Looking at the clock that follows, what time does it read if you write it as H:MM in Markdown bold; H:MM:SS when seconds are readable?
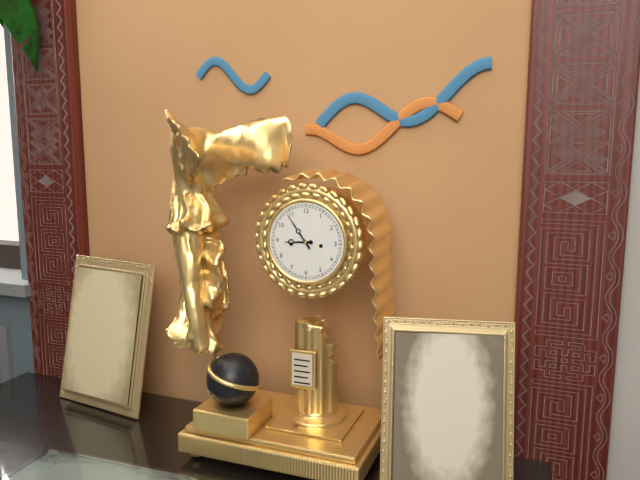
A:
**8:54**
